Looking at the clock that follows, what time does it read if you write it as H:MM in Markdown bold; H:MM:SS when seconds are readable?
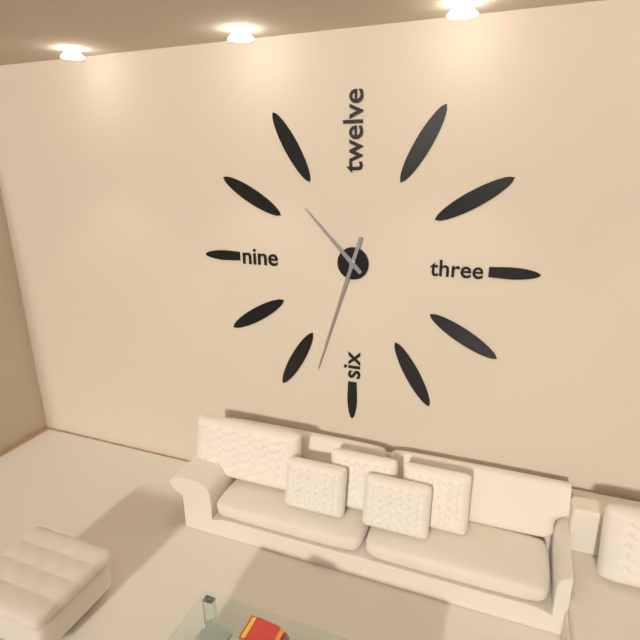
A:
**10:33**
